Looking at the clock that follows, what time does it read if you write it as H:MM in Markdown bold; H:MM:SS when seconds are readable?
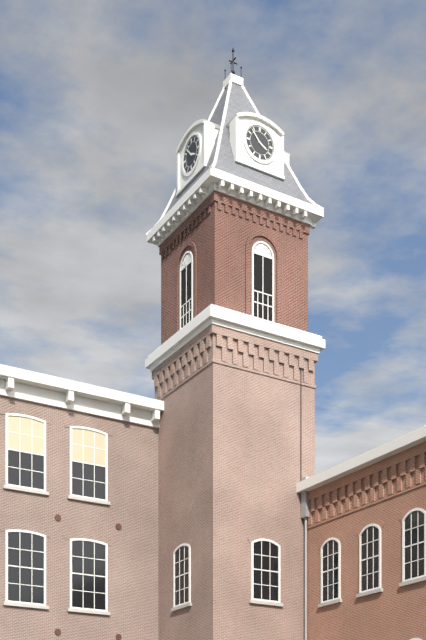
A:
**3:53**
